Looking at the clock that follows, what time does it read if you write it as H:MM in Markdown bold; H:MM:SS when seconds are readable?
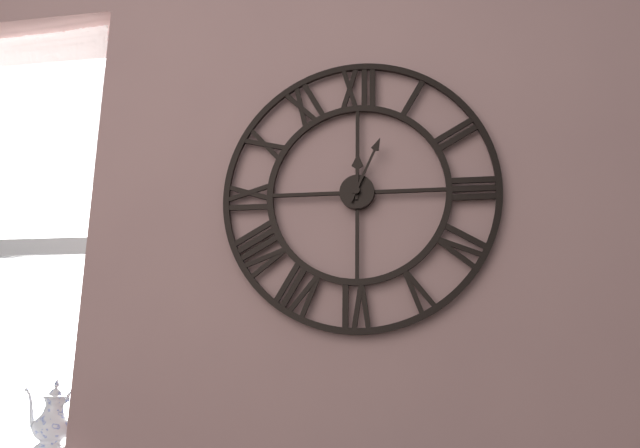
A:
**12:04**
